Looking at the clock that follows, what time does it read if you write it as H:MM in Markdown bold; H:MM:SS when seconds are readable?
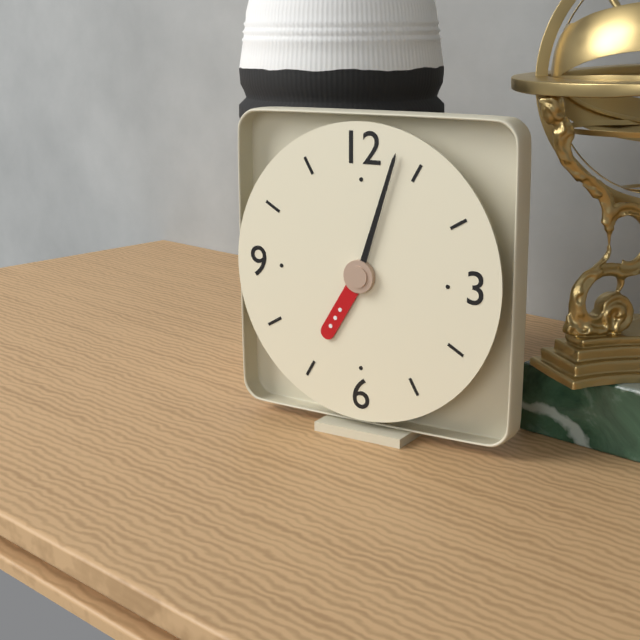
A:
**7:03**
